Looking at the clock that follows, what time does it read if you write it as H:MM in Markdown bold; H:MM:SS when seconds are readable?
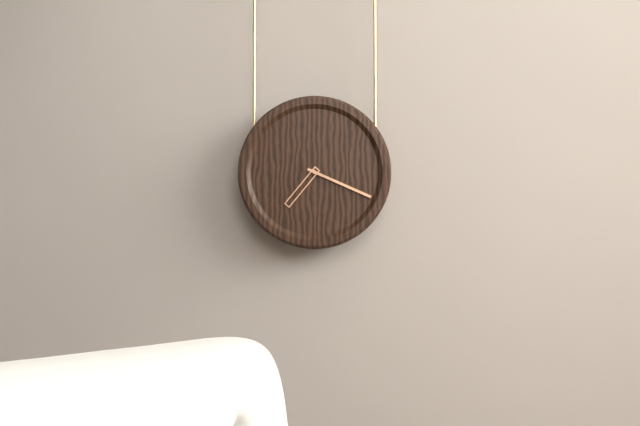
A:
**7:19**
